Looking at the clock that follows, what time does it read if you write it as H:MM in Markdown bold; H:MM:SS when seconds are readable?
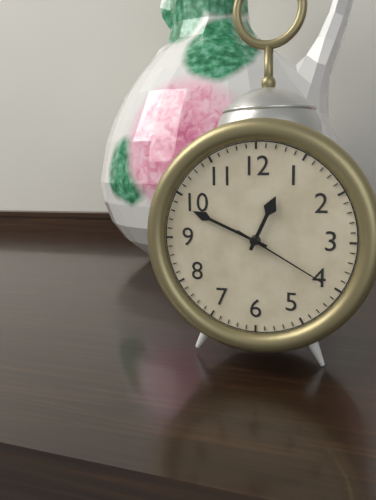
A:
**12:49:20**
